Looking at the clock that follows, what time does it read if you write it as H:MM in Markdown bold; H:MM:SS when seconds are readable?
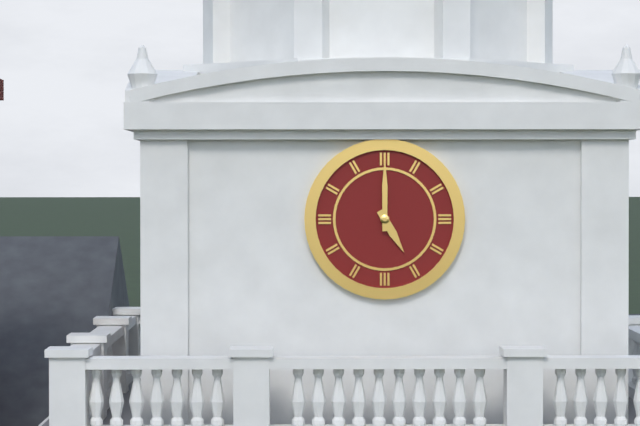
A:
**5:00**
